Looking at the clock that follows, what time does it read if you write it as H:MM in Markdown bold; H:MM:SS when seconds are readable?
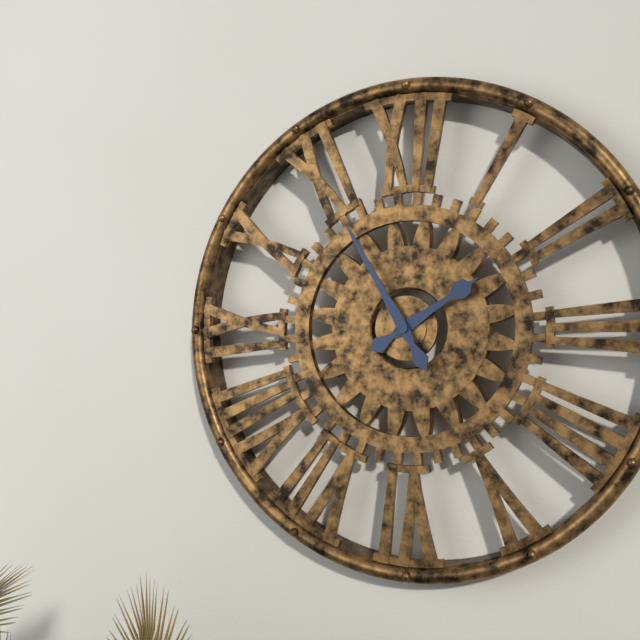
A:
**1:55**
